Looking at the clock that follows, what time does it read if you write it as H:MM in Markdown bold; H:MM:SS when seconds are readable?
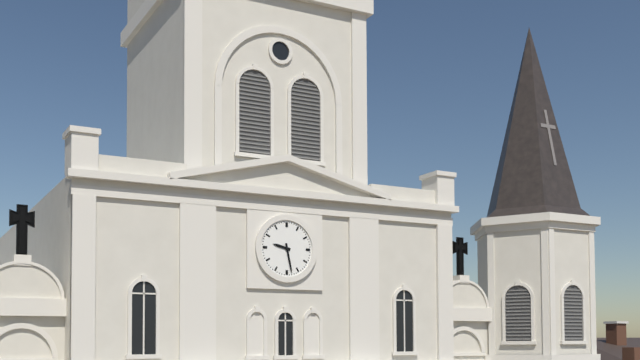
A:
**9:28**
